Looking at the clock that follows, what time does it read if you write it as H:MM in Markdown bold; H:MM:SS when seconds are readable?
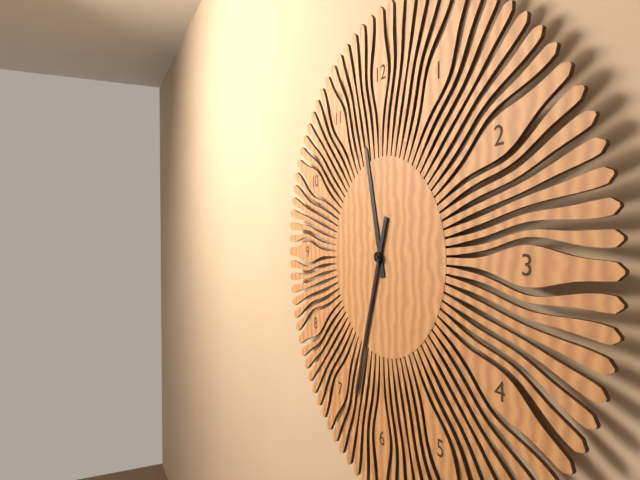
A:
**11:33**
